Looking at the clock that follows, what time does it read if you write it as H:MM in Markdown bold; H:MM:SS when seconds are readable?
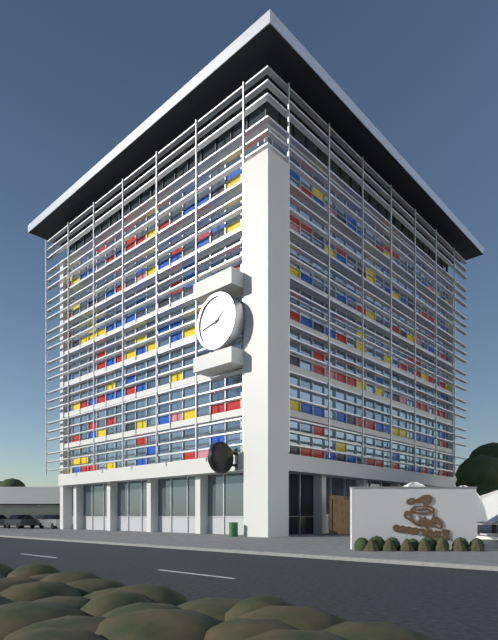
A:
**1:43**
